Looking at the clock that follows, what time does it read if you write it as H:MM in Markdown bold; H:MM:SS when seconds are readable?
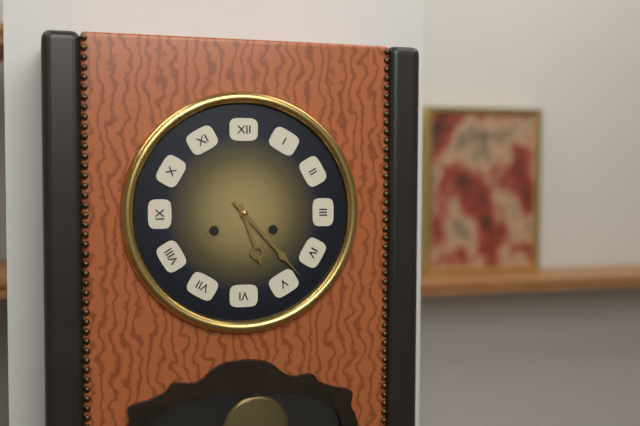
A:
**5:23**
